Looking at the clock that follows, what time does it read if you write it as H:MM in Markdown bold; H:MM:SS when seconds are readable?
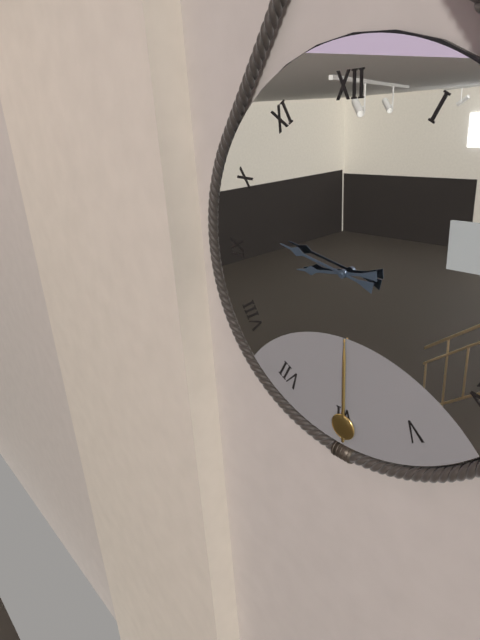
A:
**8:47**
